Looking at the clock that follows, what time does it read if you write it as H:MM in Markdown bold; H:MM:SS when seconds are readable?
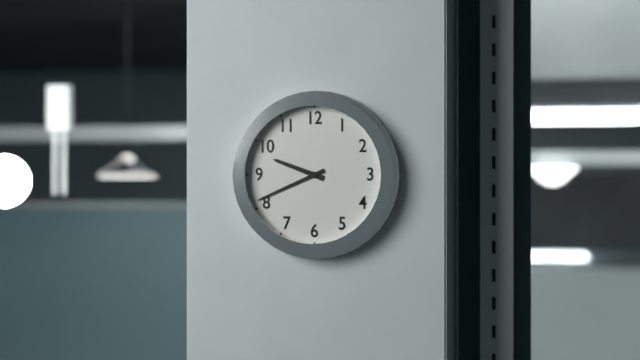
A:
**9:41**
